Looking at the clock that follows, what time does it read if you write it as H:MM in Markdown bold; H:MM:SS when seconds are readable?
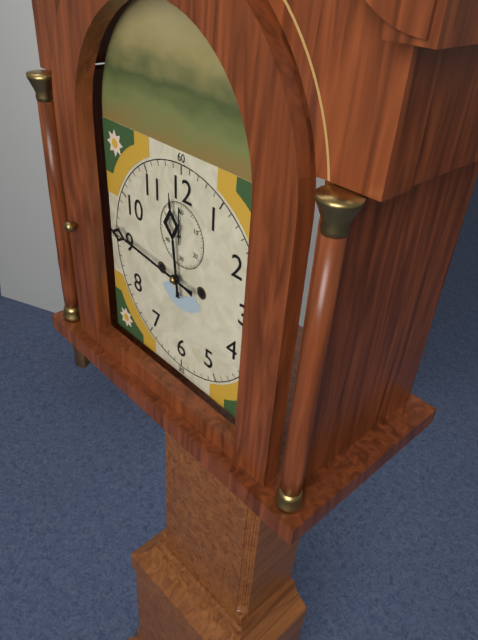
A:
**11:46**
